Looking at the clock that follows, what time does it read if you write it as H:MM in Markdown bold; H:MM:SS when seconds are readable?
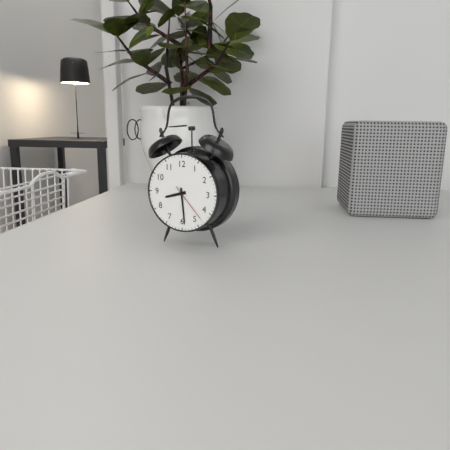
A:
**8:29**
